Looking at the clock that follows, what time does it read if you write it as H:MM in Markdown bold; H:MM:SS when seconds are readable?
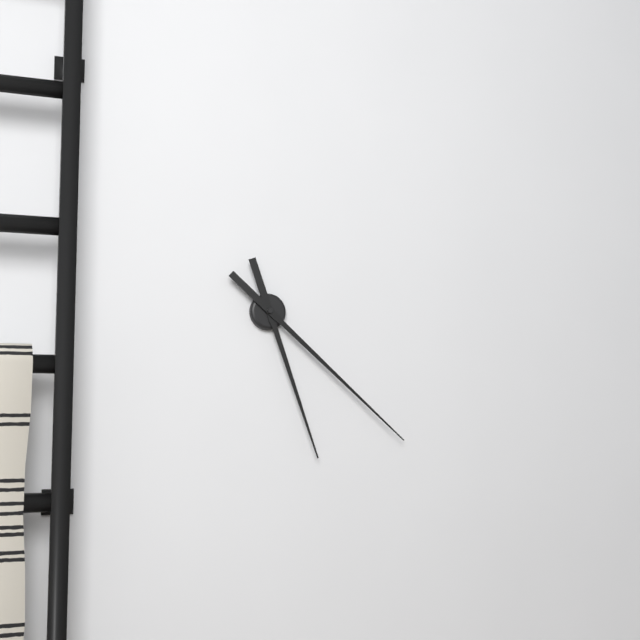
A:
**5:22**
